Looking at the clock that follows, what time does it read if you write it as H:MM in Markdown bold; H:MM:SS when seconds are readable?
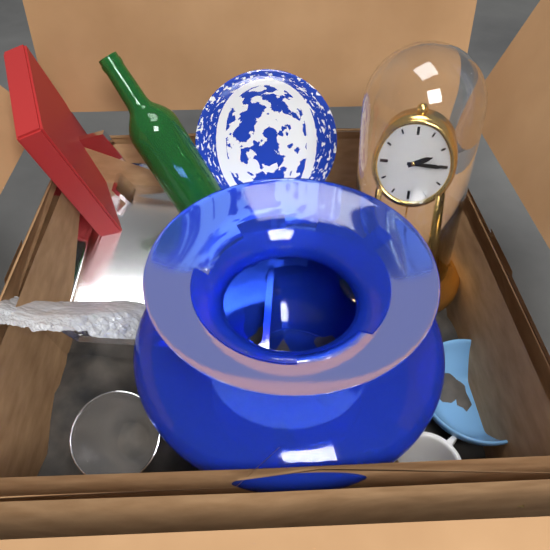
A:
**2:15**
